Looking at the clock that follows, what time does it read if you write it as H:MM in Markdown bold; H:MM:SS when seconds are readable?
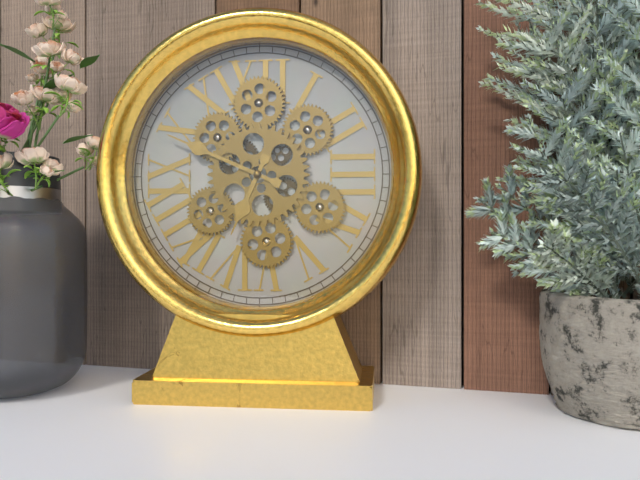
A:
**6:49**
